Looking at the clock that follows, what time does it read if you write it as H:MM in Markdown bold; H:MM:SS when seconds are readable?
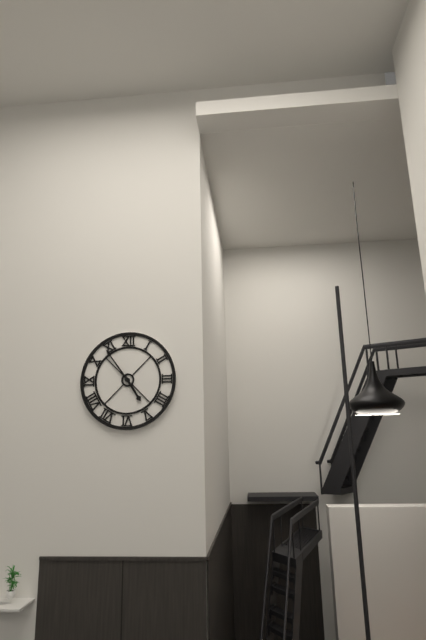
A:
**4:54**
